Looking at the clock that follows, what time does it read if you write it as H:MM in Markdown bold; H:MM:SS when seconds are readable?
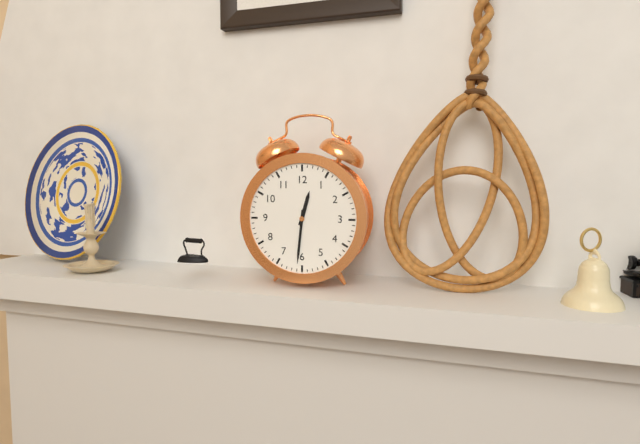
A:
**12:31**
